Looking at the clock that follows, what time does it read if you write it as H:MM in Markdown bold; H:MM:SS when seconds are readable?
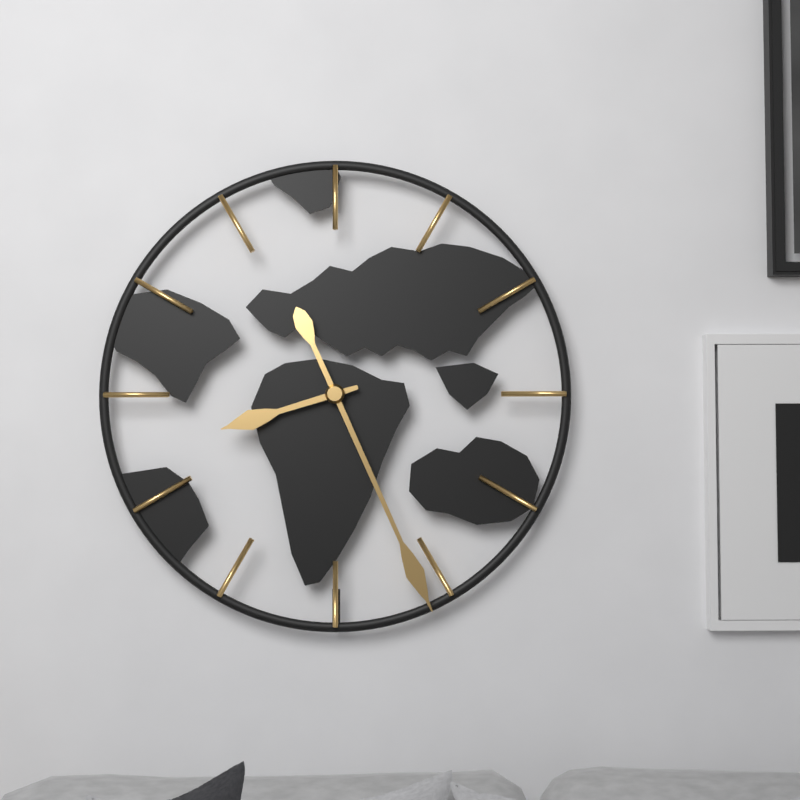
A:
**8:26**
